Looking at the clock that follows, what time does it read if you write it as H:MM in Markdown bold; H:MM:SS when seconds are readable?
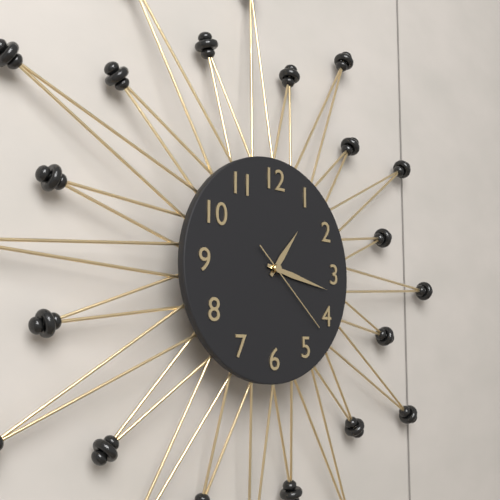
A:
**1:17:22**
